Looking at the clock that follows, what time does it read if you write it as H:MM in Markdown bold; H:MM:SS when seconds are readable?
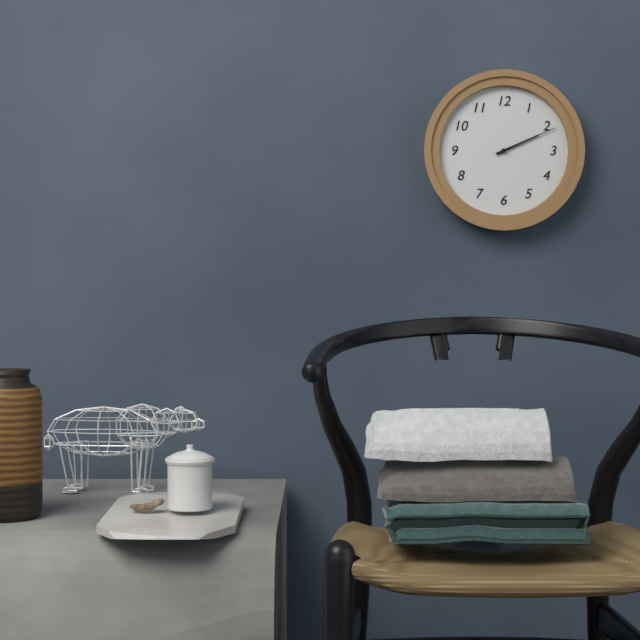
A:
**2:11**
